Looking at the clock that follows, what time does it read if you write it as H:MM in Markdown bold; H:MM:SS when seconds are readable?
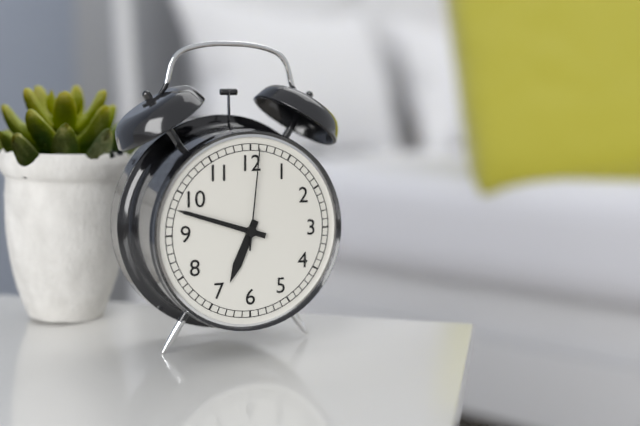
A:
**6:48:01**
